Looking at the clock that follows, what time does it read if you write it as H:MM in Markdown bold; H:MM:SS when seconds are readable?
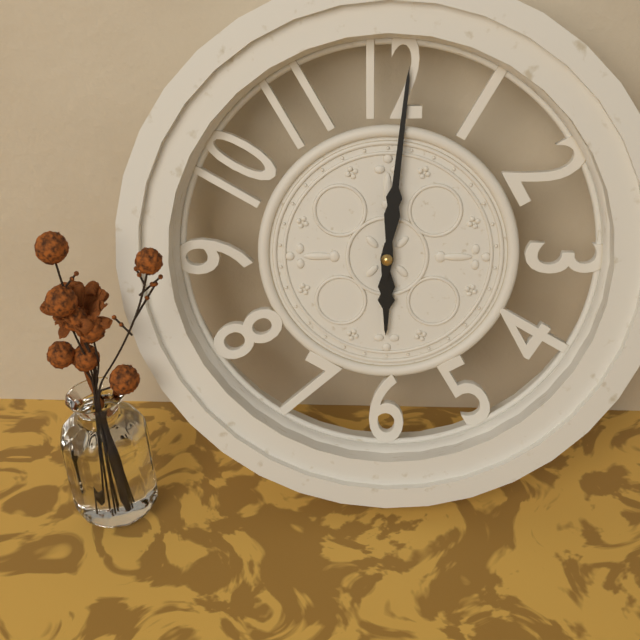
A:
**6:01**
